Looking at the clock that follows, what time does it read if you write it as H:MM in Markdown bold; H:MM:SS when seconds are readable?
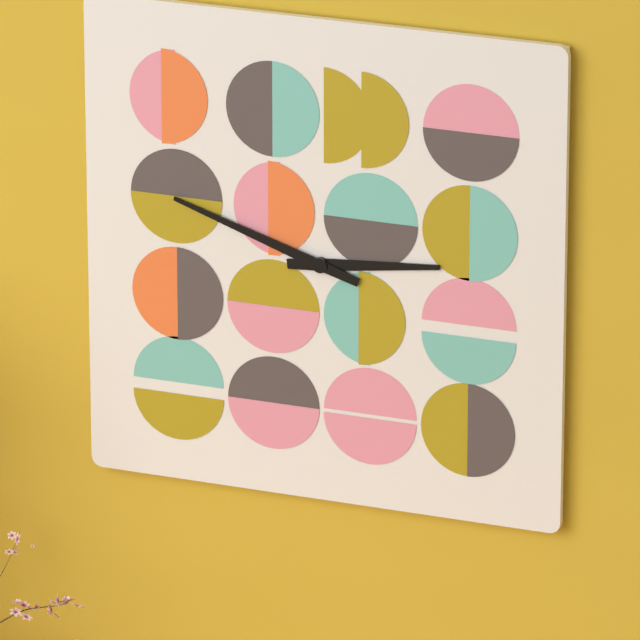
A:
**2:48**
